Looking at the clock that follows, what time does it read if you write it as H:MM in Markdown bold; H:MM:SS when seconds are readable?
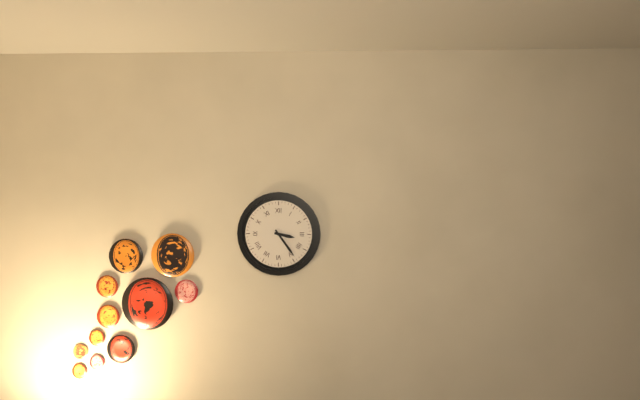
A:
**3:24**
